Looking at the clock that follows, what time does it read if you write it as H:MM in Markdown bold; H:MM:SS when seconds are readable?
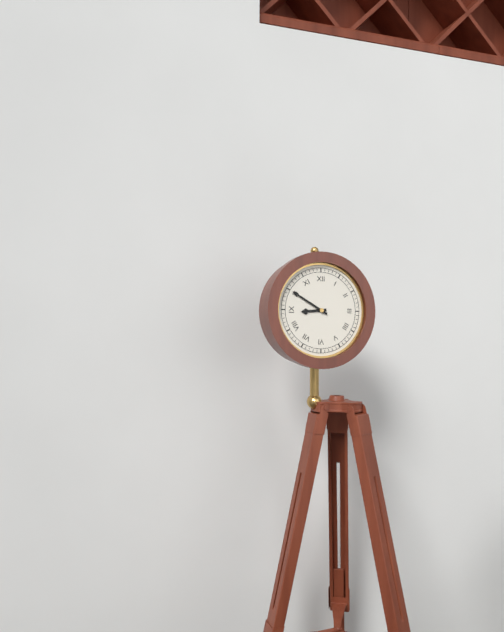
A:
**8:50**
